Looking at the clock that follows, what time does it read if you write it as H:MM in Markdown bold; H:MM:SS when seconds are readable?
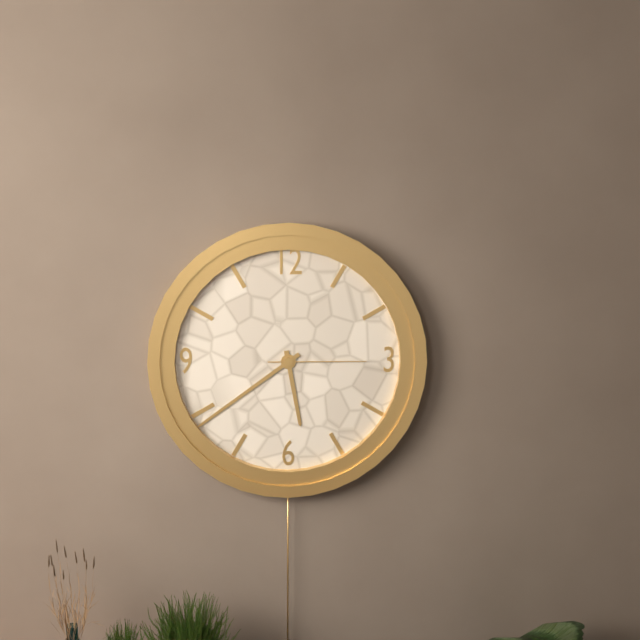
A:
**5:39:15**
